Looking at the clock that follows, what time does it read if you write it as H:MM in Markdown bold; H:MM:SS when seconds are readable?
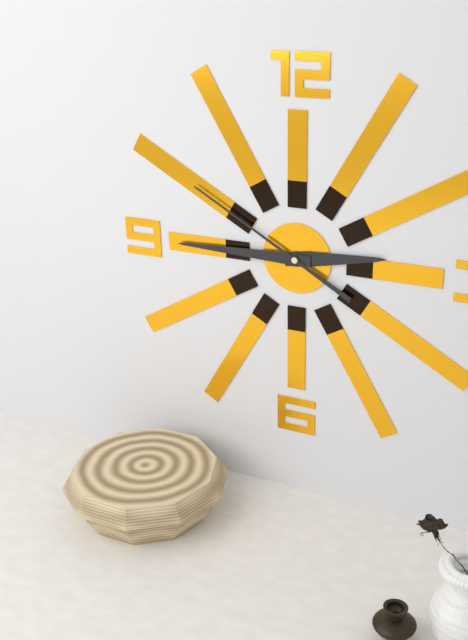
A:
**2:45:50**
